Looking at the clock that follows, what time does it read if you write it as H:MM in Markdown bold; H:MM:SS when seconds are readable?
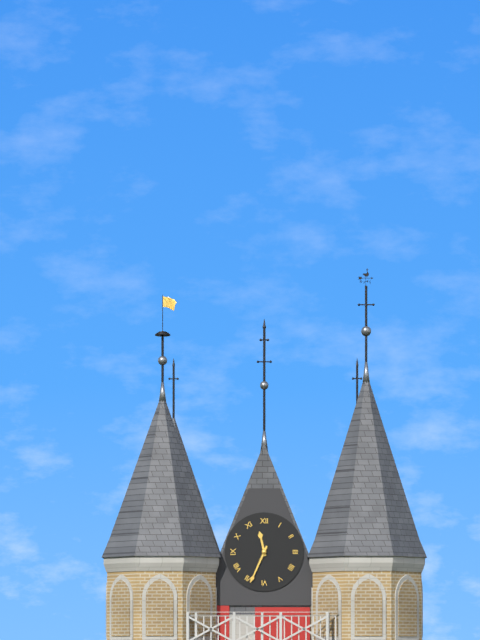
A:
**11:34**
